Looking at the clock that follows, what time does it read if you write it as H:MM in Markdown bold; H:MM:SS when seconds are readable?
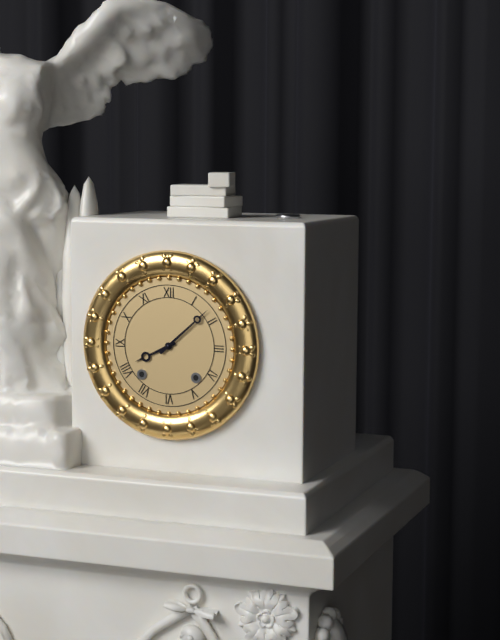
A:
**8:08**
